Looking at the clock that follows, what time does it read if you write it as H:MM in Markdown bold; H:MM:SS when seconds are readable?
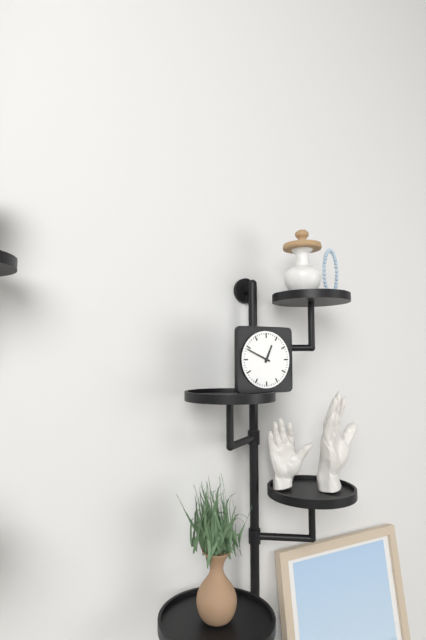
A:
**12:49**
